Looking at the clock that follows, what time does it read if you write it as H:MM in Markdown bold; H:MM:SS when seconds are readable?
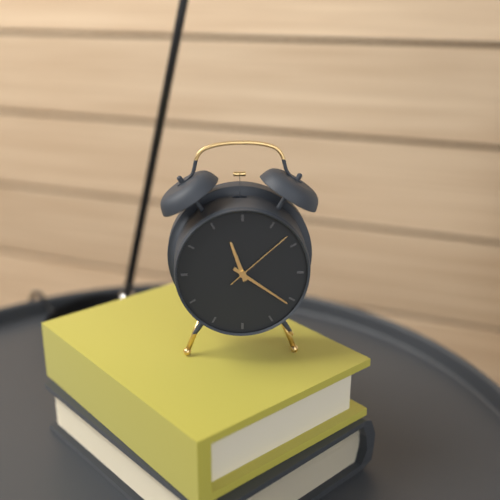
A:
**11:21:08**
